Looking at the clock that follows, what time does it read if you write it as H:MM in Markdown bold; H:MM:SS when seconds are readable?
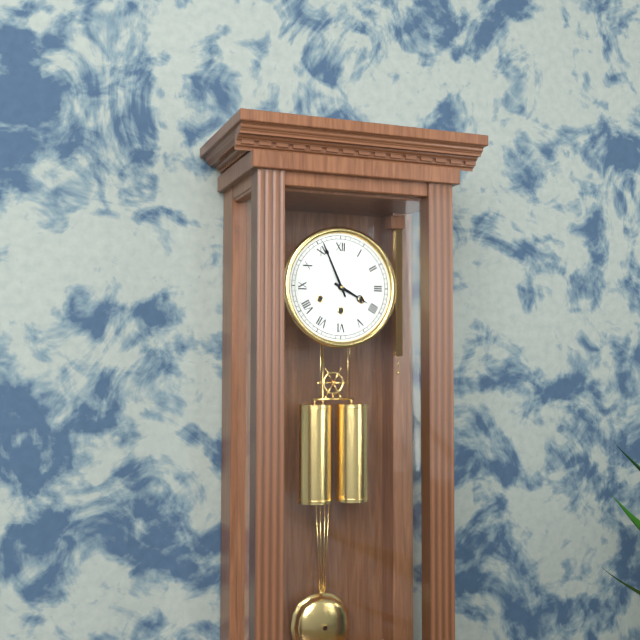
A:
**3:56**
